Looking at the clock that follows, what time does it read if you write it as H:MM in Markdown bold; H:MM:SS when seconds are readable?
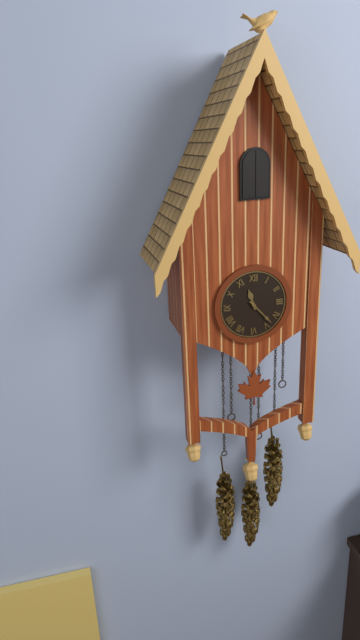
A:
**11:23**
